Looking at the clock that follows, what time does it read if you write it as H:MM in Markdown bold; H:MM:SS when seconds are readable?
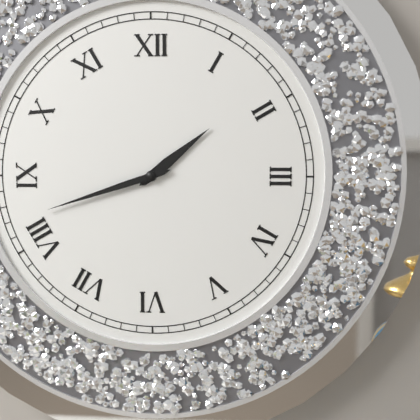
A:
**1:42**
